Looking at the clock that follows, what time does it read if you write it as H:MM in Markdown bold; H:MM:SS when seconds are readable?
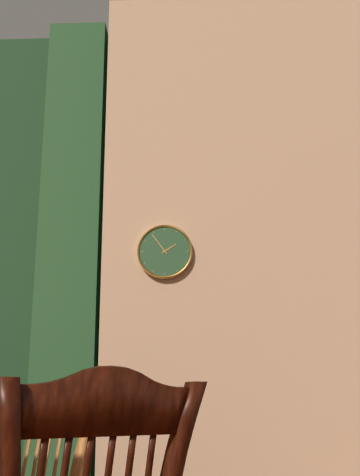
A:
**1:54**
